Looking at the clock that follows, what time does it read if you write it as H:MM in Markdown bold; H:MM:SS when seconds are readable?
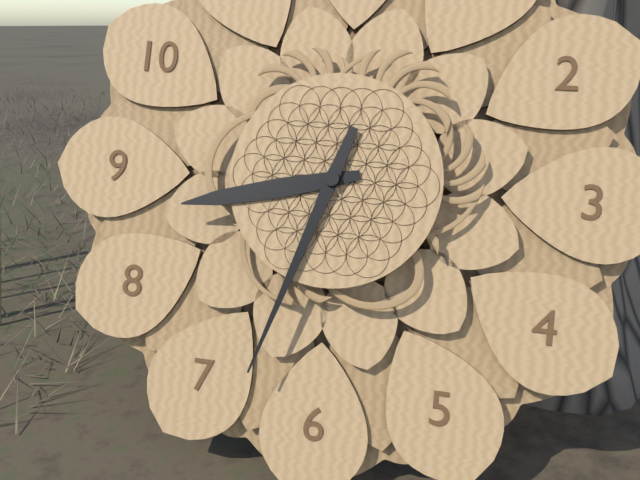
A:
**8:33**
